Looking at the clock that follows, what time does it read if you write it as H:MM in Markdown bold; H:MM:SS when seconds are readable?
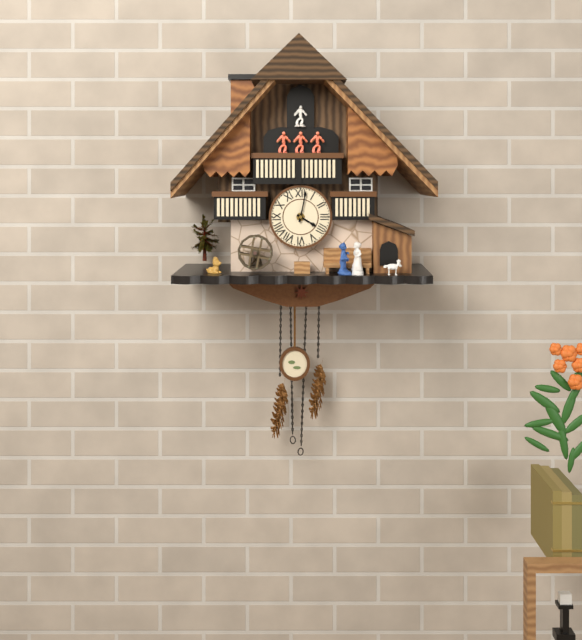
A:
**4:02**
